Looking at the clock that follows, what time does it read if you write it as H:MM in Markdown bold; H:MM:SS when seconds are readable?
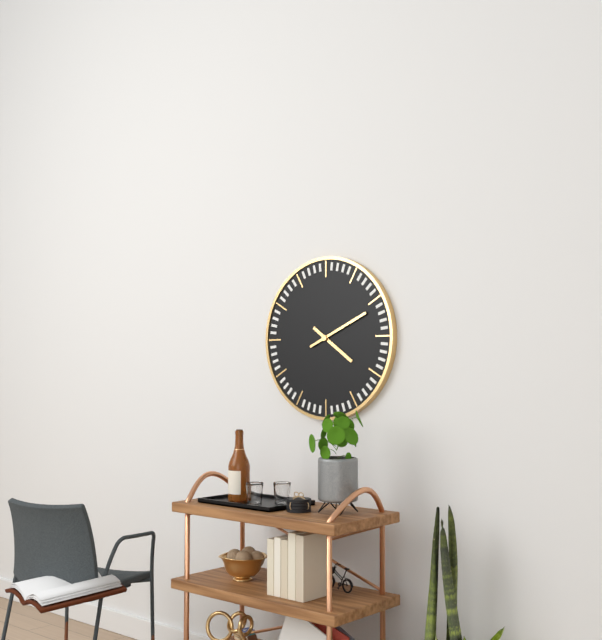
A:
**4:11**
